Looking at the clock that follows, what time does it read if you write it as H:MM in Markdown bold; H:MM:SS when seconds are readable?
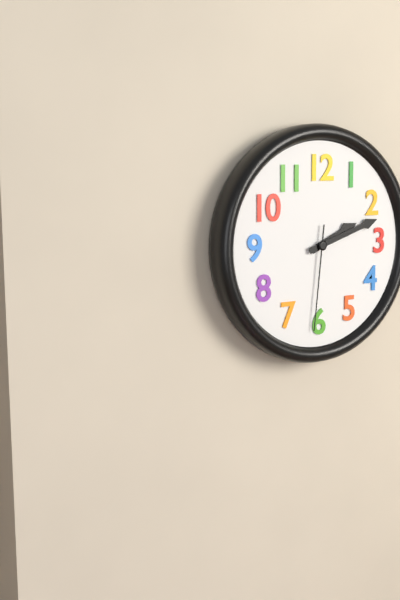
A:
**2:12:31**
